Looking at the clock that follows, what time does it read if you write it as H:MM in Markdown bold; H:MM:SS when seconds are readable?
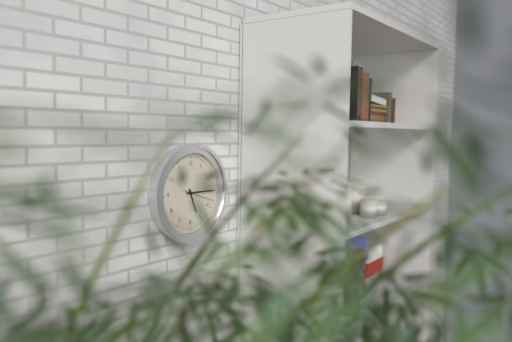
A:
**5:15**
